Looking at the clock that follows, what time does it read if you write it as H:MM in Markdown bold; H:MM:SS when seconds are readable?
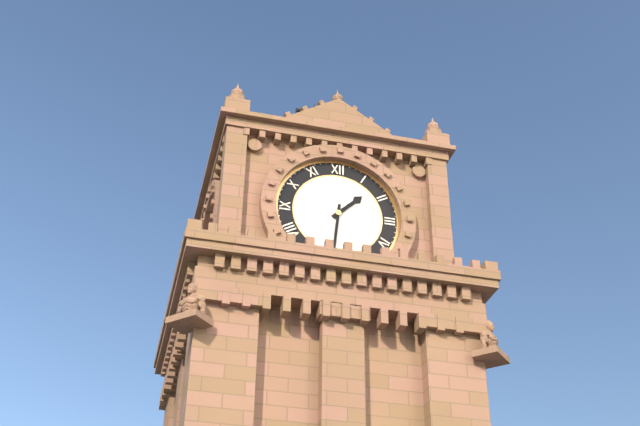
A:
**1:31**
